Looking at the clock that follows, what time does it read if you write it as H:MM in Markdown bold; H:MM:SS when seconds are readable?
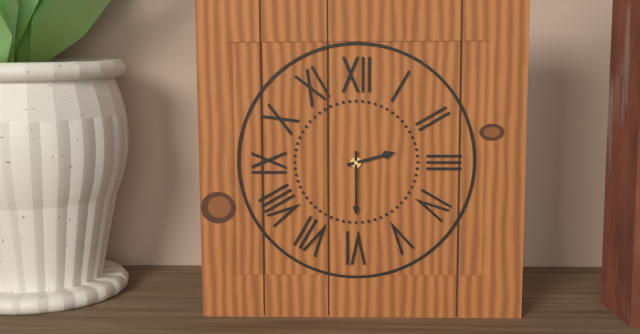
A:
**2:30**
